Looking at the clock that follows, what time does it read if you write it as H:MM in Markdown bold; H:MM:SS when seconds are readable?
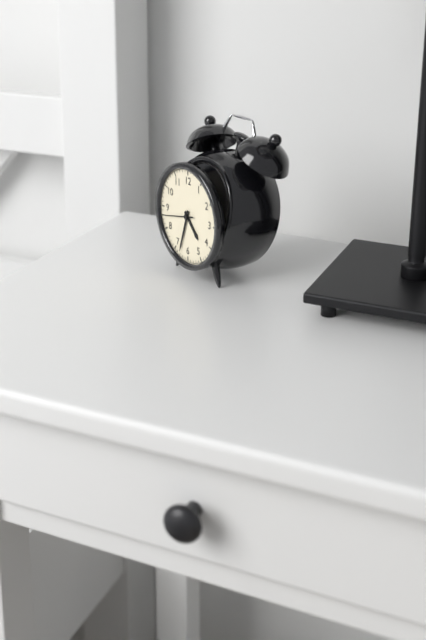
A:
**4:33**
